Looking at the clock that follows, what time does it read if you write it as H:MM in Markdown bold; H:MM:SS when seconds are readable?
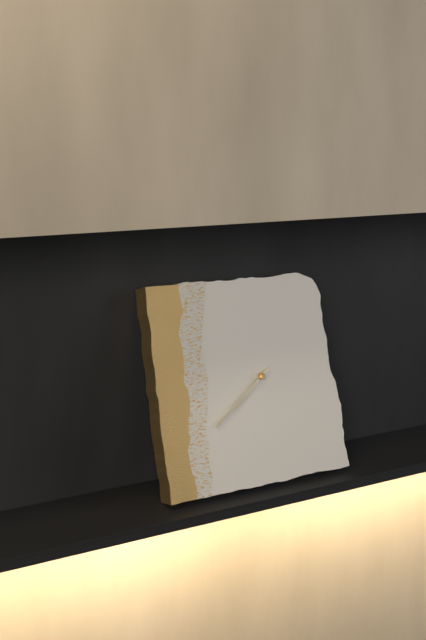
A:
**7:39**
